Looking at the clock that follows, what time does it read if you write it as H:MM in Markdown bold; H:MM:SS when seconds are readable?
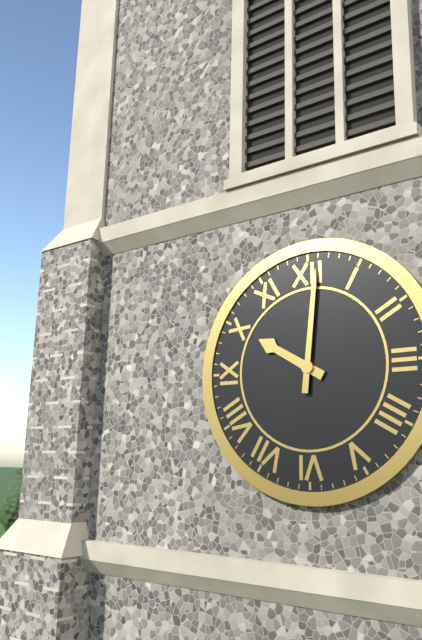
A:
**10:01**
